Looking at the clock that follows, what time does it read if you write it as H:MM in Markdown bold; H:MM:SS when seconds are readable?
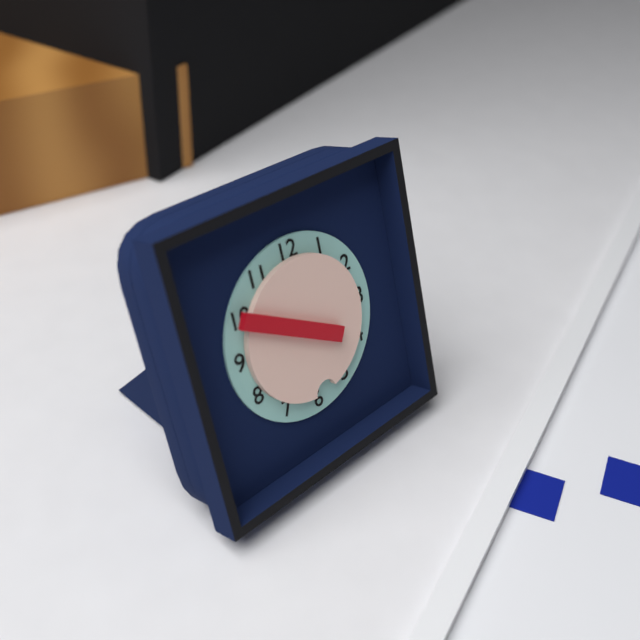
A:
**5:50**
